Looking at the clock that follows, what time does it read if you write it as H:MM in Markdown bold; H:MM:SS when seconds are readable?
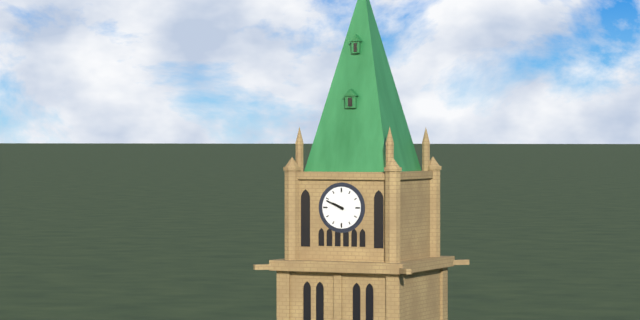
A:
**9:49**
